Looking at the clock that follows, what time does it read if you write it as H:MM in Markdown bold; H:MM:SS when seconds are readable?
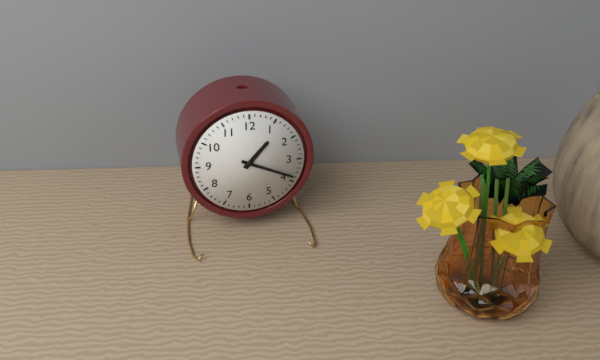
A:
**1:19**
